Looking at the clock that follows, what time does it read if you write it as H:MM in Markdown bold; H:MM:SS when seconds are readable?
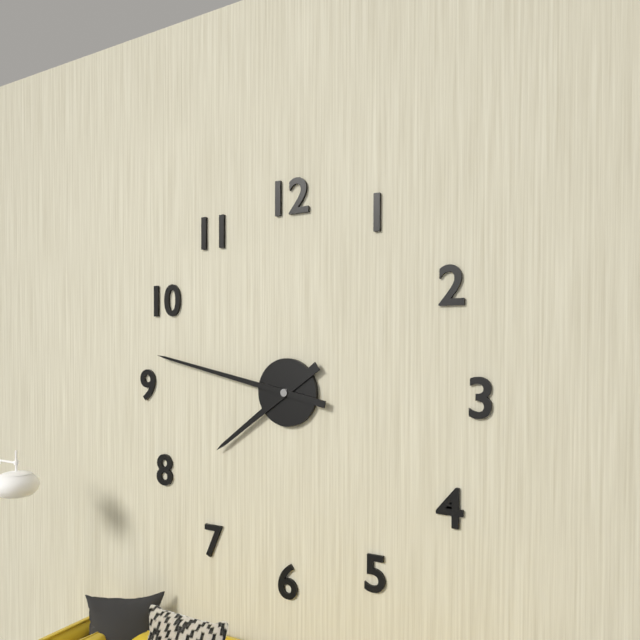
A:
**7:47**
